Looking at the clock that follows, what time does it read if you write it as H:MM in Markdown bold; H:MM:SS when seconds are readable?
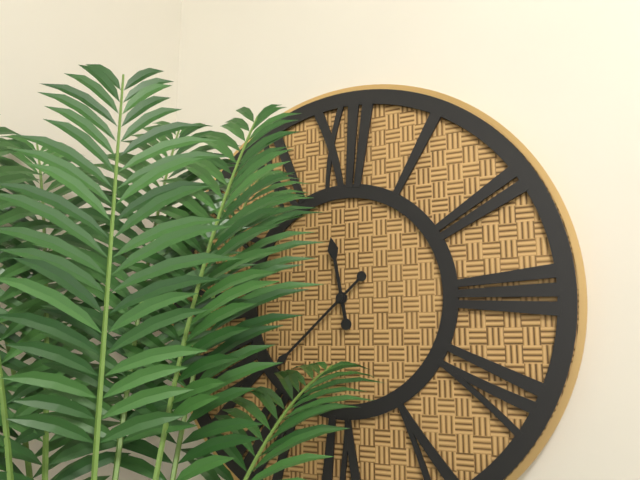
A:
**11:38**
